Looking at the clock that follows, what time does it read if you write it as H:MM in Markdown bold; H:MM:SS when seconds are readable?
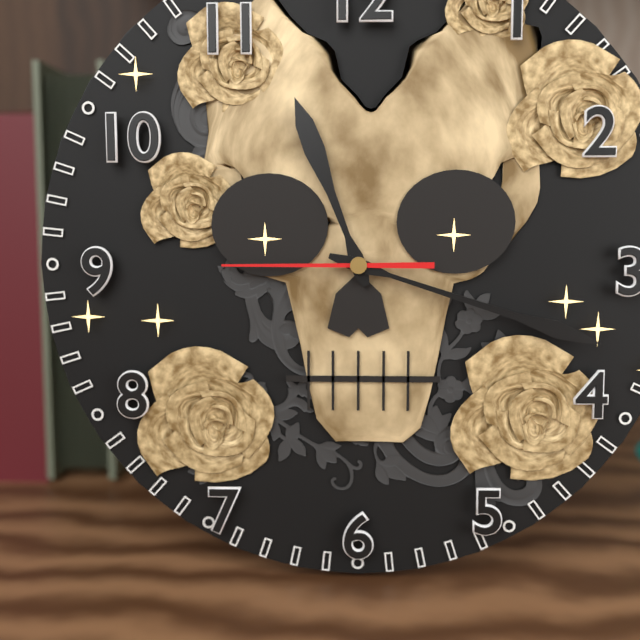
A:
**11:18:45**
